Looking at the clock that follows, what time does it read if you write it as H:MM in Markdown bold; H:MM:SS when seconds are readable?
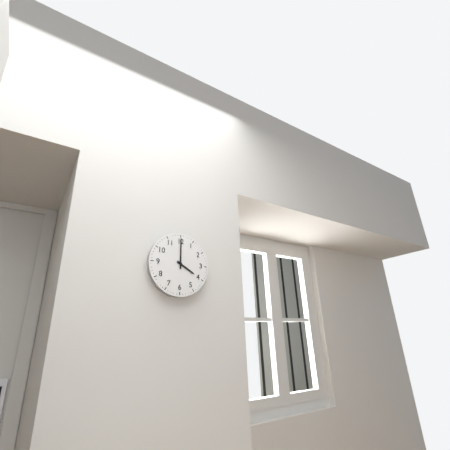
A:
**4:00**
